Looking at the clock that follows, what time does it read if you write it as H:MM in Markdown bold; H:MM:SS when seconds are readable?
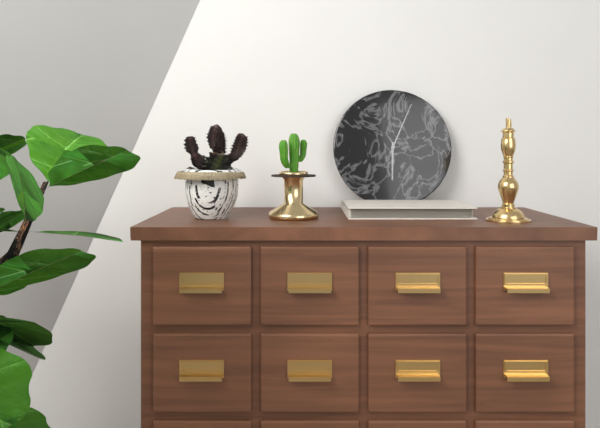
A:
**6:04**
